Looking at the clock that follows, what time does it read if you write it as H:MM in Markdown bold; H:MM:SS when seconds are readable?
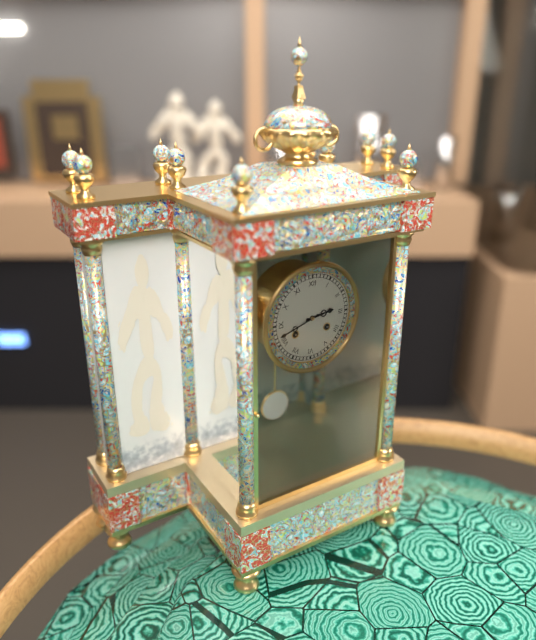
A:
**2:42**
